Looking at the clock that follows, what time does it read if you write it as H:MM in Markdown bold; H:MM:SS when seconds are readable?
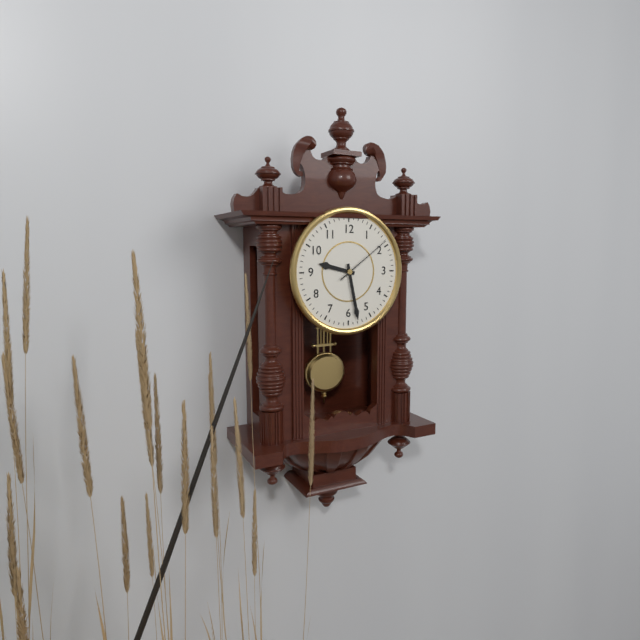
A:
**9:28:09**
